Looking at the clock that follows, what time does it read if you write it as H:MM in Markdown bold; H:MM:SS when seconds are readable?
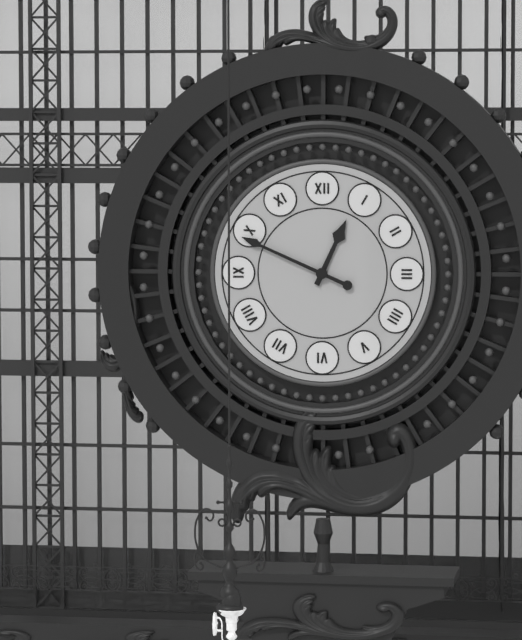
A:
**12:49**
